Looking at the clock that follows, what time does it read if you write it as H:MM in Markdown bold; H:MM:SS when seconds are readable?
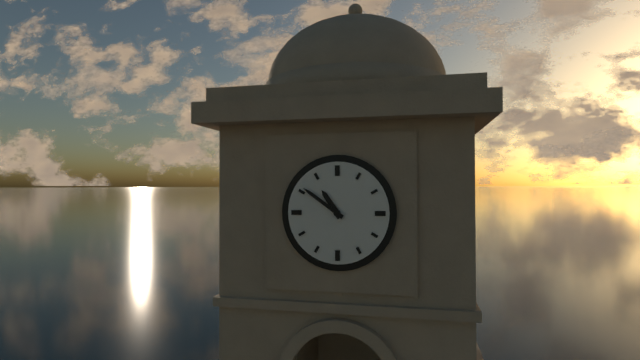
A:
**10:51**
